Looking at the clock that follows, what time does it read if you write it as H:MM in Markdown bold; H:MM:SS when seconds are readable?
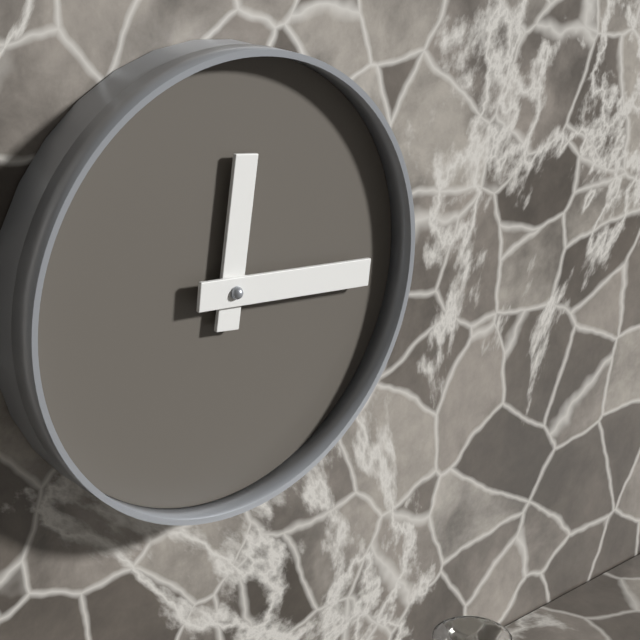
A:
**12:16**
